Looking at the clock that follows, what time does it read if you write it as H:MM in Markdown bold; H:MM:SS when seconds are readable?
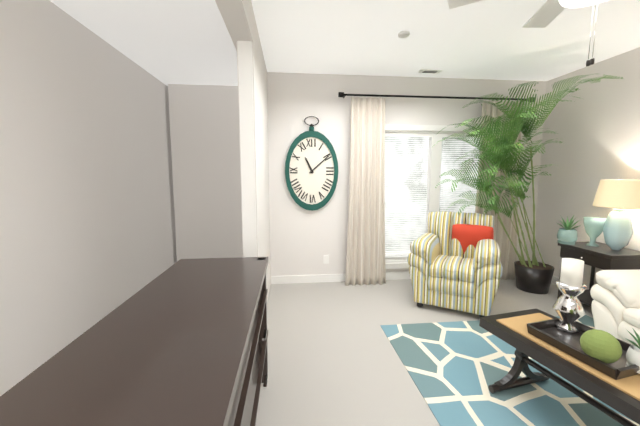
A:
**11:08**
